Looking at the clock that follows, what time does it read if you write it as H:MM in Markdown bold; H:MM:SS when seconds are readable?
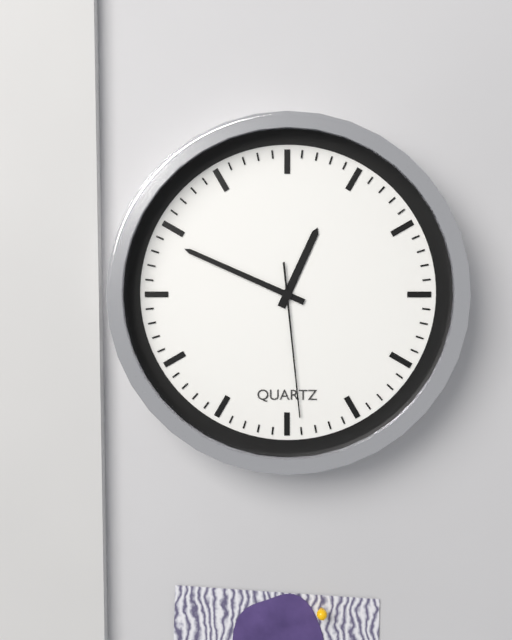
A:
**12:49:29**
